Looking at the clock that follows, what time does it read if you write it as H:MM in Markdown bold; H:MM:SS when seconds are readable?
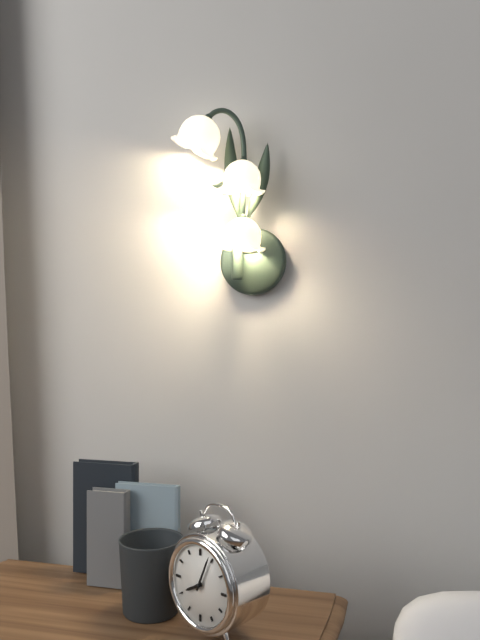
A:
**8:04**
